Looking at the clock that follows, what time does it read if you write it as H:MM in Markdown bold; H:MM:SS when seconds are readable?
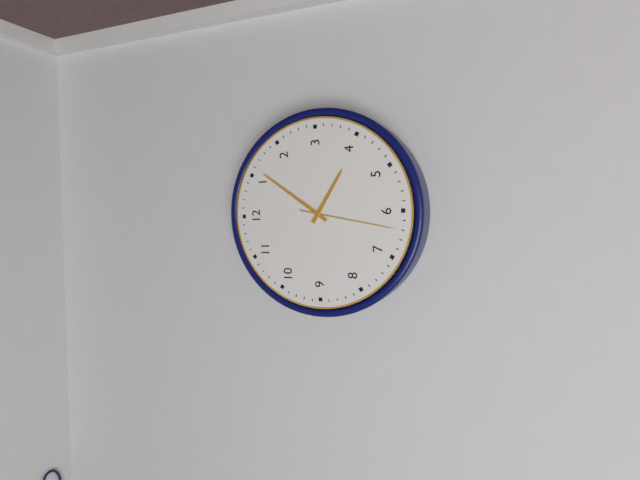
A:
**4:06:32**
